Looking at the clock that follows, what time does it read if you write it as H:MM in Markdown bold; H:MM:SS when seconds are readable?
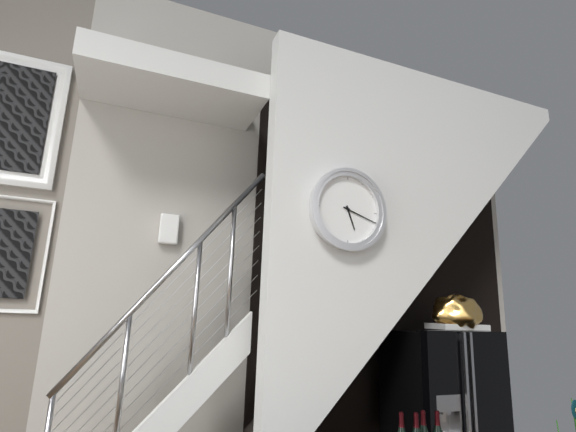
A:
**5:18**
